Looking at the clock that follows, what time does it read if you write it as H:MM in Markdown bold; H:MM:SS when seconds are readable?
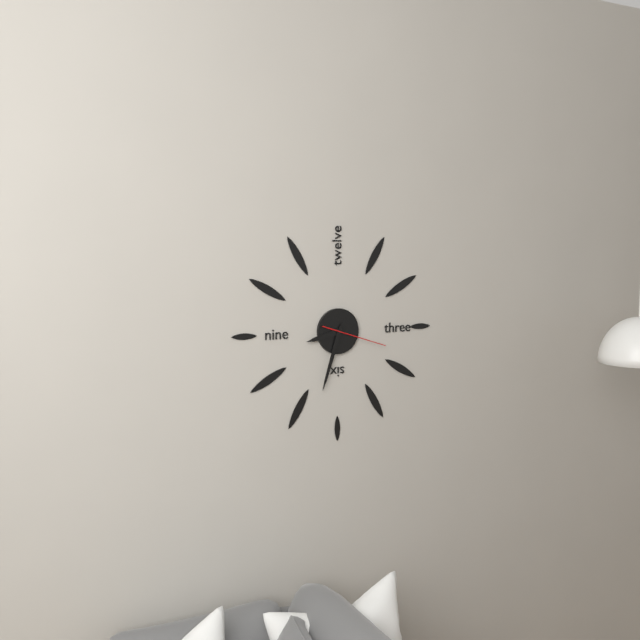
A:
**8:33:18**
